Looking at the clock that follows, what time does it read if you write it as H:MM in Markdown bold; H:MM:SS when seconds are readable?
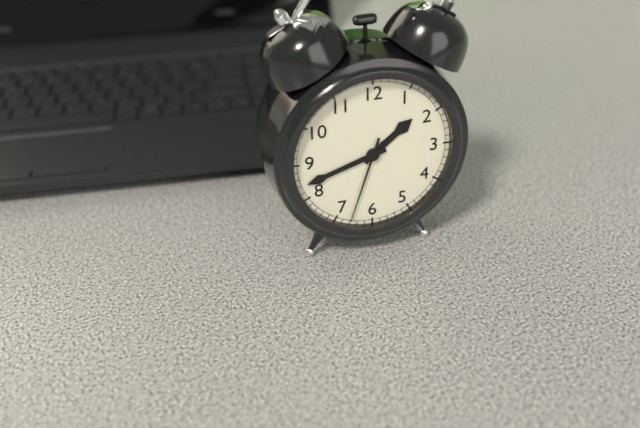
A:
**1:42:33**
